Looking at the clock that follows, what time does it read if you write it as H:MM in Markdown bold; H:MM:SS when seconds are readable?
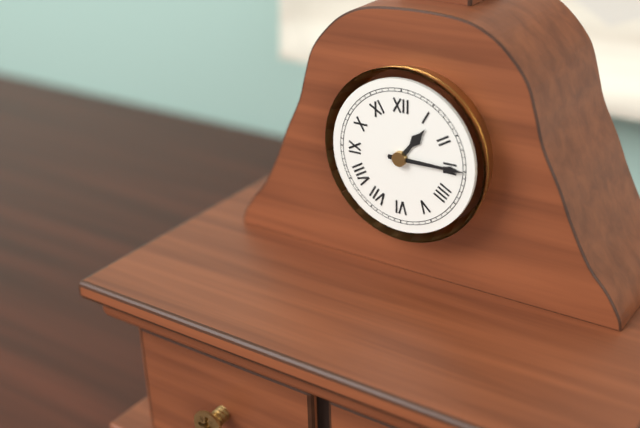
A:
**1:15**
